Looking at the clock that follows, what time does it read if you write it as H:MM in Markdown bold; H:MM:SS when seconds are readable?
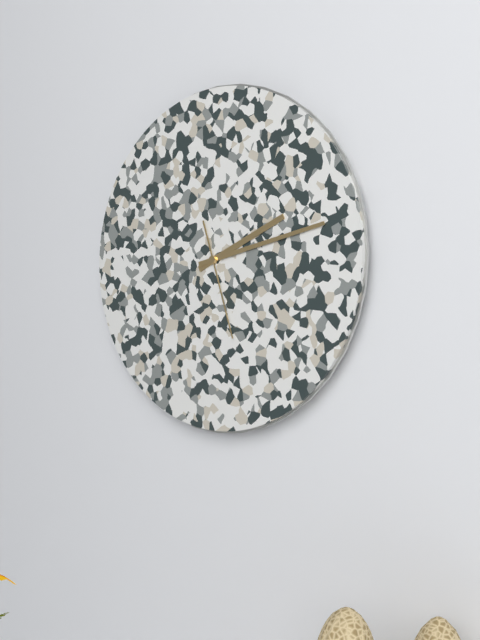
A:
**2:13:27**
